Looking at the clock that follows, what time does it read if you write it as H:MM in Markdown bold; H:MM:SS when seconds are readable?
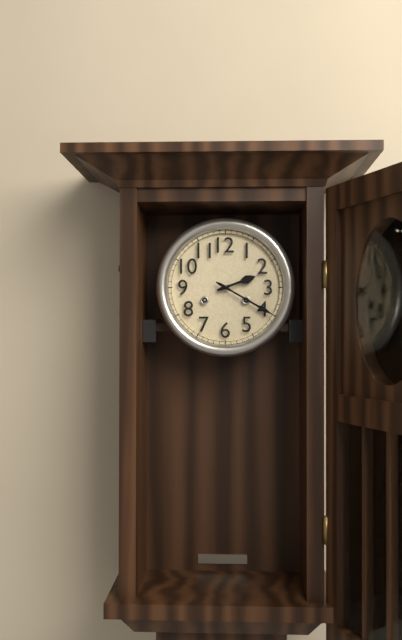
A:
**2:20**
